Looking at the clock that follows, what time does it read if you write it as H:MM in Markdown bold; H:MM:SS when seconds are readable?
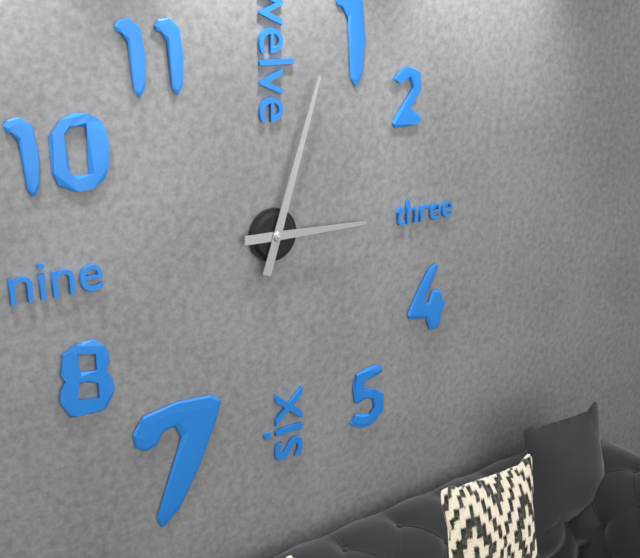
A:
**3:03**
